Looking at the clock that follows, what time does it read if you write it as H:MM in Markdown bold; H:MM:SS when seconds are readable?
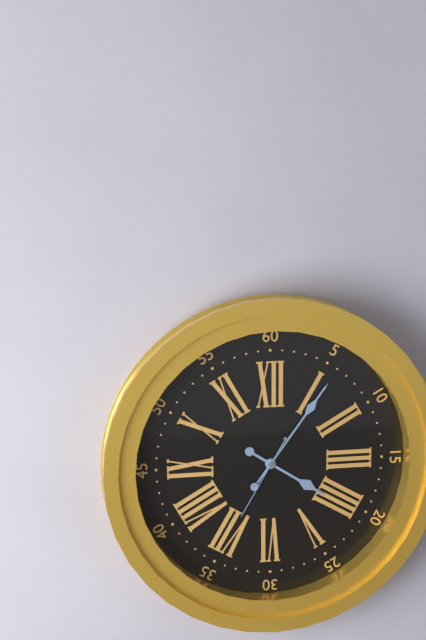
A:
**4:06:35**
